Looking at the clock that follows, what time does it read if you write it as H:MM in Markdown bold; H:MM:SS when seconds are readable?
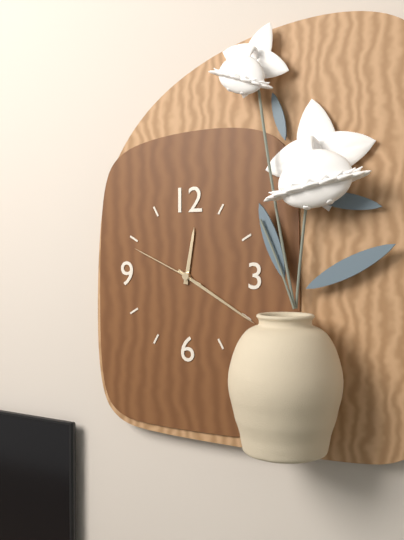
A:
**12:20:49**
